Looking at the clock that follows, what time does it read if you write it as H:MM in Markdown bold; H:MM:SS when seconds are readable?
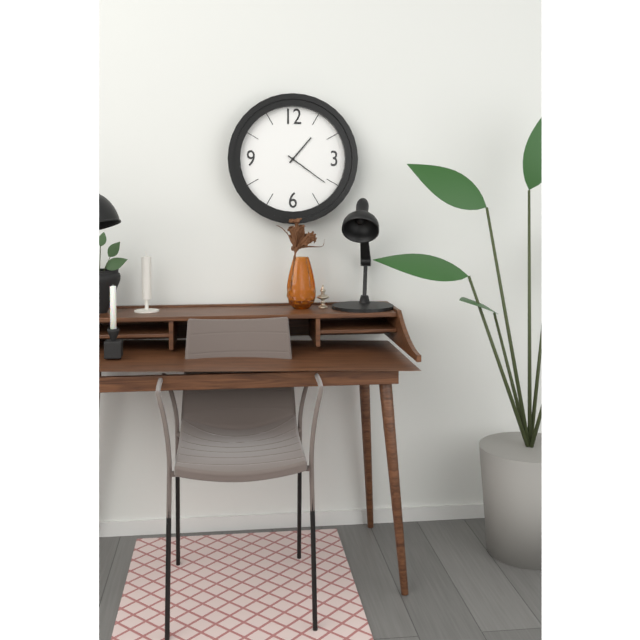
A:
**1:21**
